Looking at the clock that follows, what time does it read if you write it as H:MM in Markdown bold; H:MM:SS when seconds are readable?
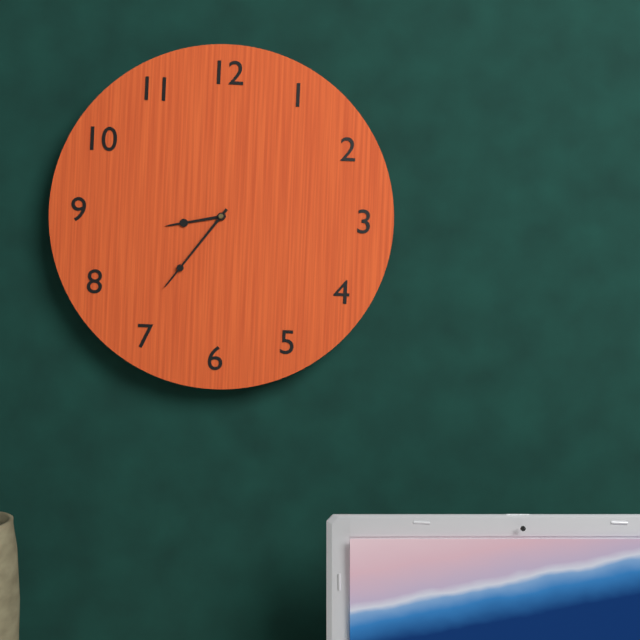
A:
**8:36**
